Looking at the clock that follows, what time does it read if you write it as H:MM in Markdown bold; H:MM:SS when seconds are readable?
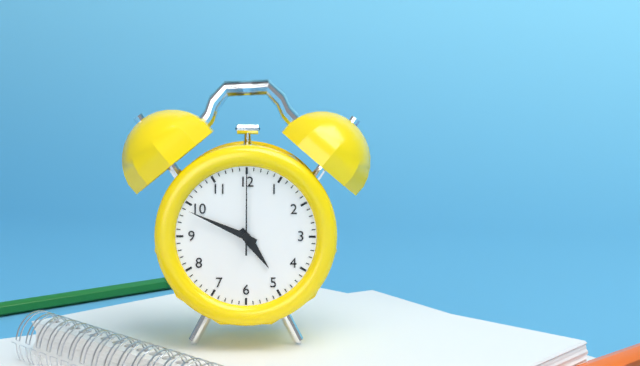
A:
**4:49:00**
